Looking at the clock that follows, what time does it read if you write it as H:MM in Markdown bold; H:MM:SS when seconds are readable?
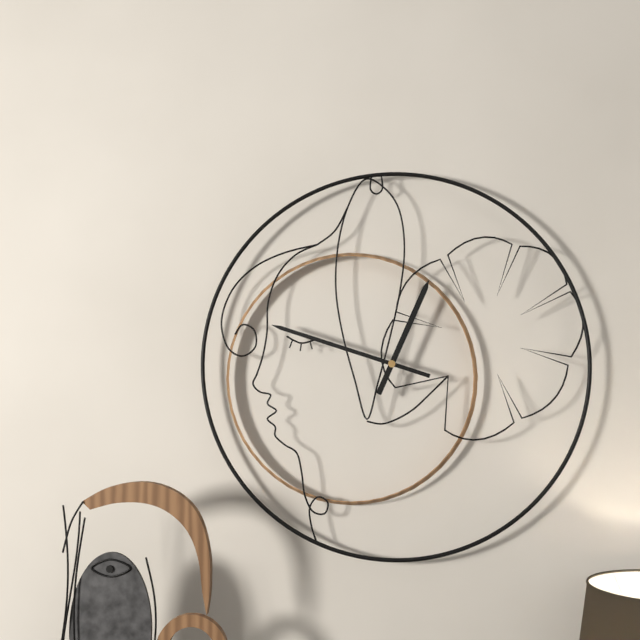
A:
**12:48**
